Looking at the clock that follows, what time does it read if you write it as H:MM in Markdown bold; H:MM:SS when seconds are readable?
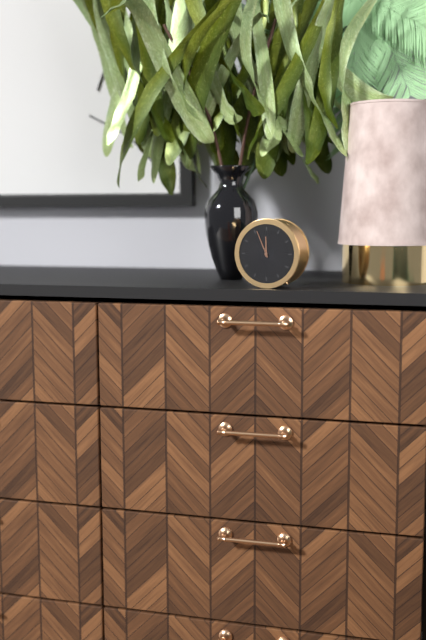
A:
**11:56**
